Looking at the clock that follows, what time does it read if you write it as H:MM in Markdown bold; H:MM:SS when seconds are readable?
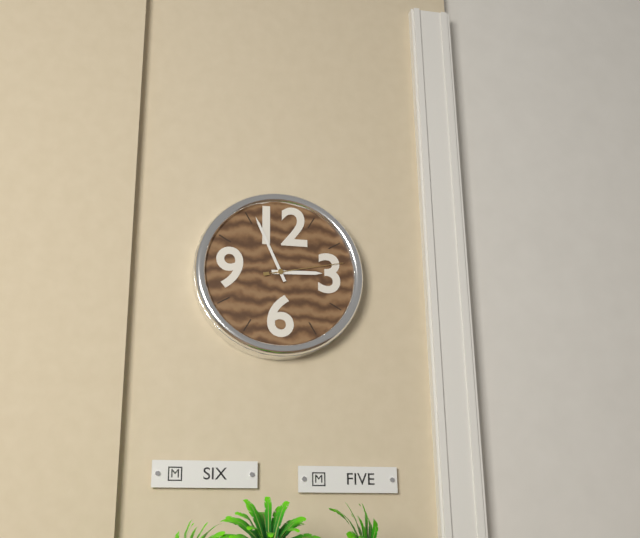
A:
**2:56:13**
